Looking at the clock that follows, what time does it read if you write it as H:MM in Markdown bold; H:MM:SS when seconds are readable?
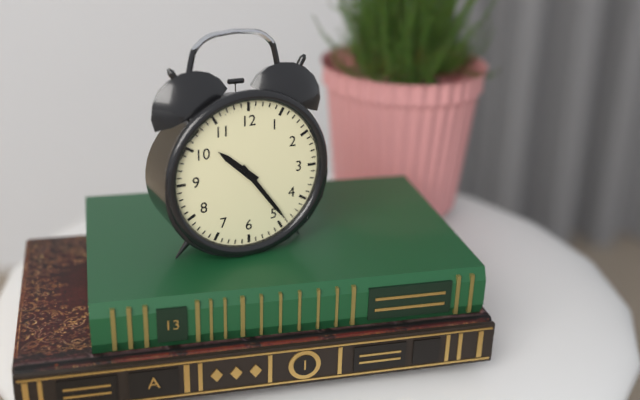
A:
**10:24**
